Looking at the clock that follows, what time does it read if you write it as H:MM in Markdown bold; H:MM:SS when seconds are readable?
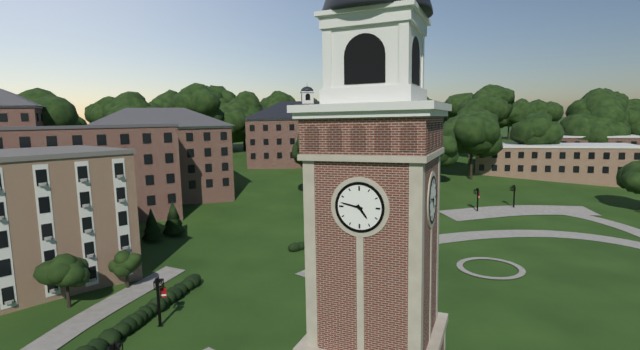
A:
**4:47**
